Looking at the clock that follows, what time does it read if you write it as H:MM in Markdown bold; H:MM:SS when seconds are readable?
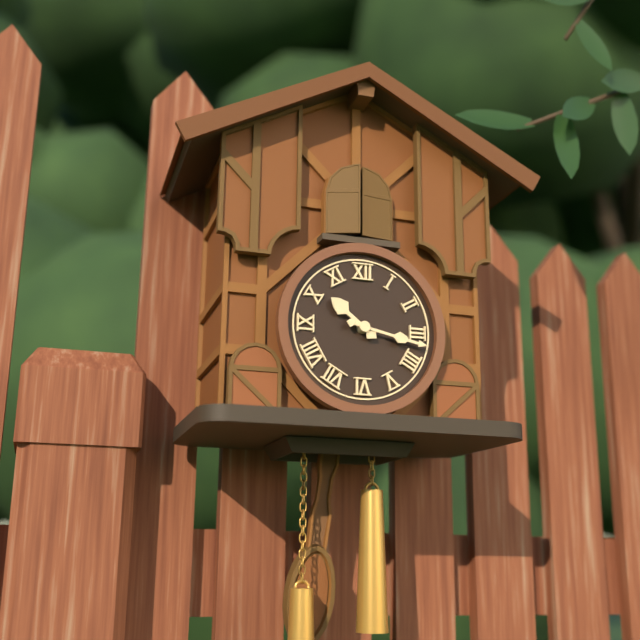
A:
**10:17**
